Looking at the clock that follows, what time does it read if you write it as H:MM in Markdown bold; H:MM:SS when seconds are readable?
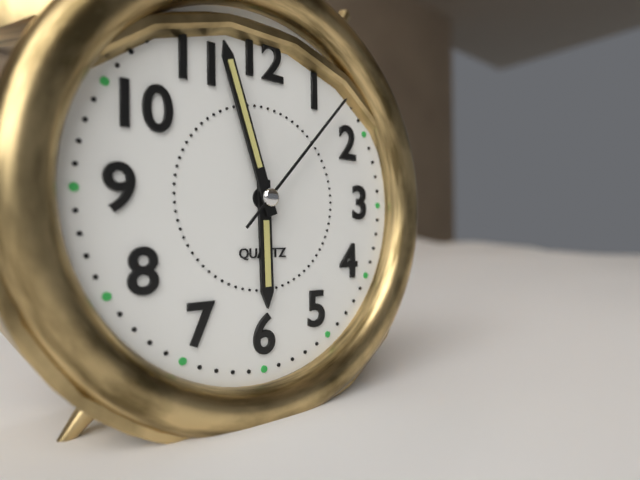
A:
**5:57:07**
